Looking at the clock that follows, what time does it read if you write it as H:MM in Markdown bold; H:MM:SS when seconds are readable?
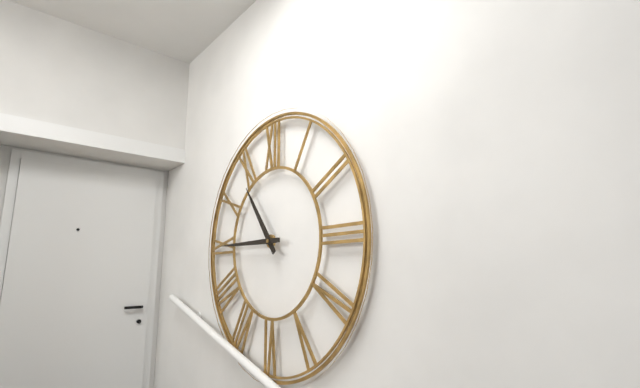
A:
**10:45**
